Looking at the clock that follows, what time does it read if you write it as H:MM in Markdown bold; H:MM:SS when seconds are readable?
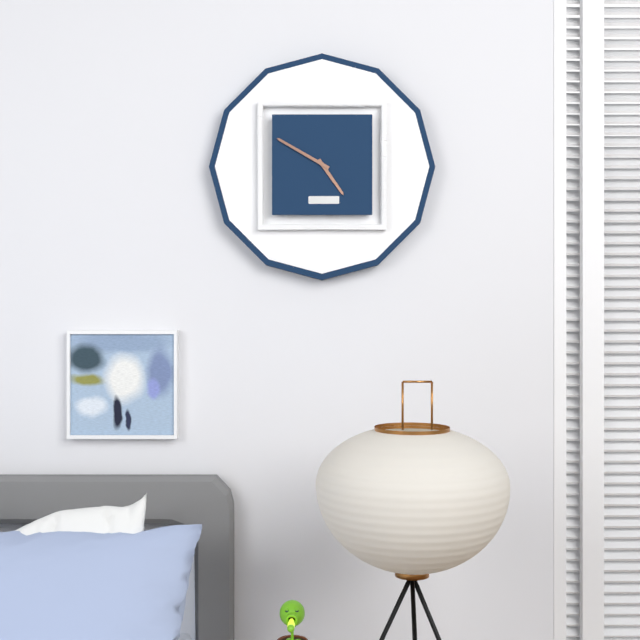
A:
**4:50**
